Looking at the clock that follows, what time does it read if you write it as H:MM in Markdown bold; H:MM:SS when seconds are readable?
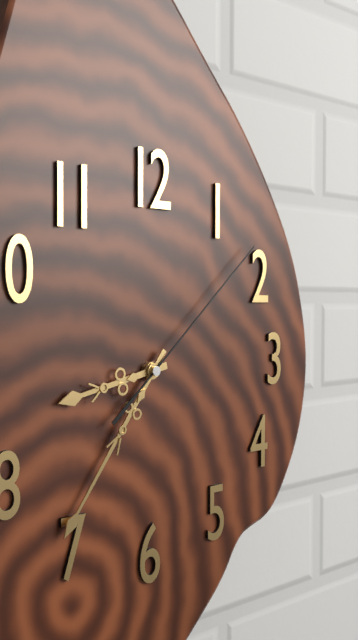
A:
**8:36:08**
